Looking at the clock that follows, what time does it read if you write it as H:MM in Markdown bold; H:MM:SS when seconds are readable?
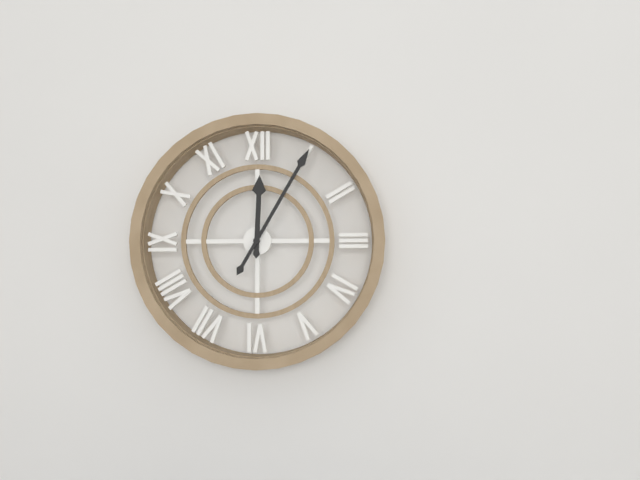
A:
**12:05**
